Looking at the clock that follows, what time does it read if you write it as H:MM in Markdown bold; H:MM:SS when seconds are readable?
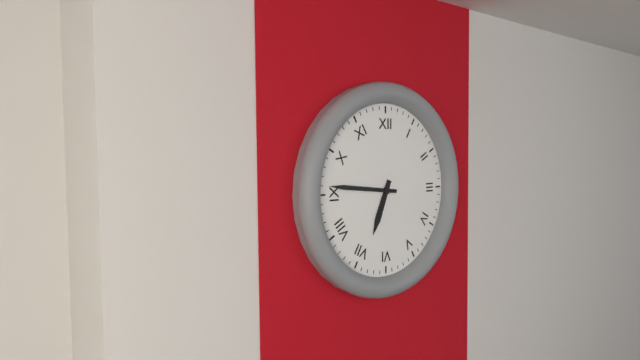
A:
**6:46**
